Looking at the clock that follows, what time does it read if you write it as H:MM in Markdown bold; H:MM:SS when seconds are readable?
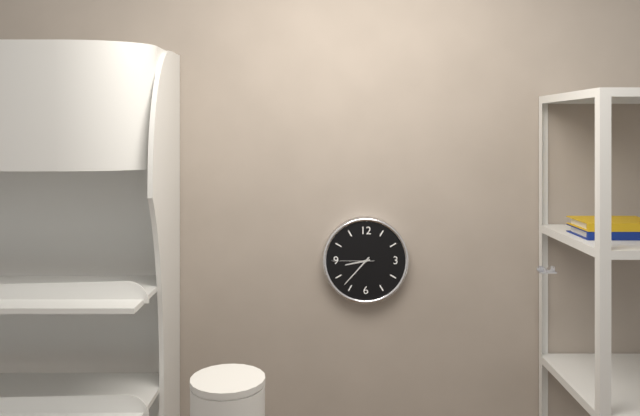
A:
**8:37**
